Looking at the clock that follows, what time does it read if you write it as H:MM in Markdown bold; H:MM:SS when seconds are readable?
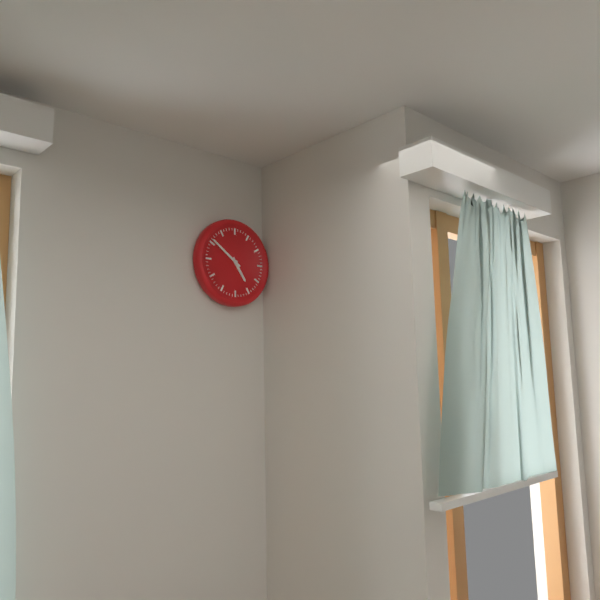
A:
**4:51**
